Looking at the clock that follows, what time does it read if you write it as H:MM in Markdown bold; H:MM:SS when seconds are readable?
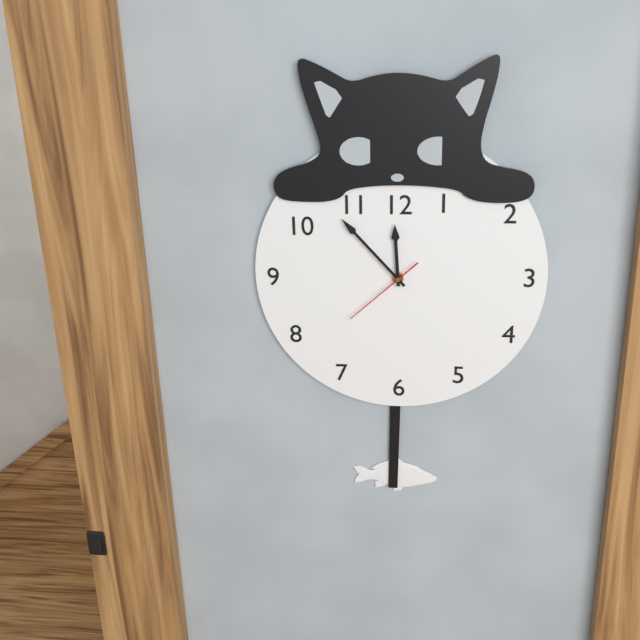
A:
**11:53:38**
